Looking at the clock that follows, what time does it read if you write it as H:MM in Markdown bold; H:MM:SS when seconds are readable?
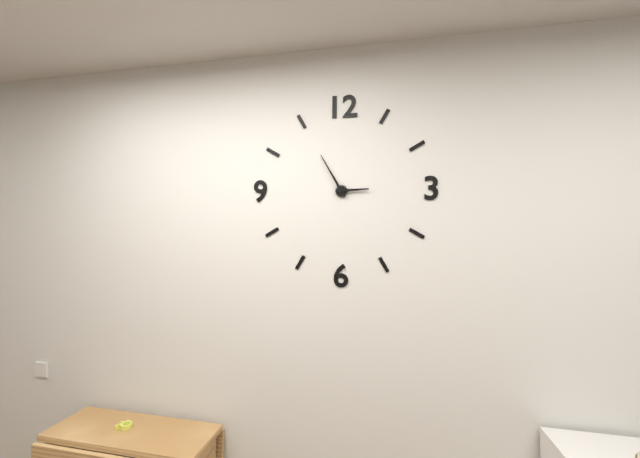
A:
**2:55**
